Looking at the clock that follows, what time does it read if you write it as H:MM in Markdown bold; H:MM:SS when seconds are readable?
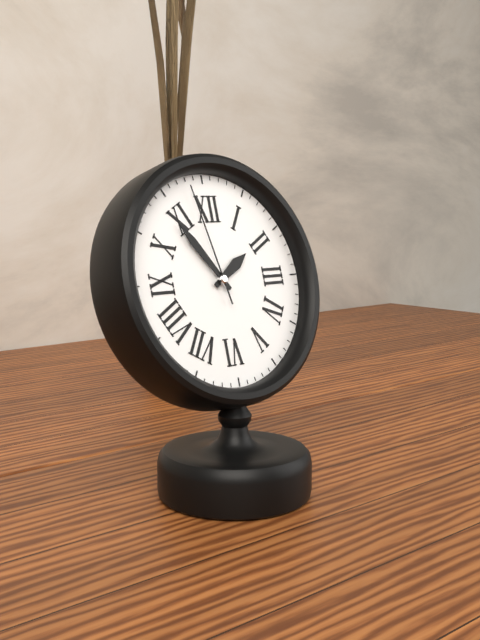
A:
**1:54:58**
